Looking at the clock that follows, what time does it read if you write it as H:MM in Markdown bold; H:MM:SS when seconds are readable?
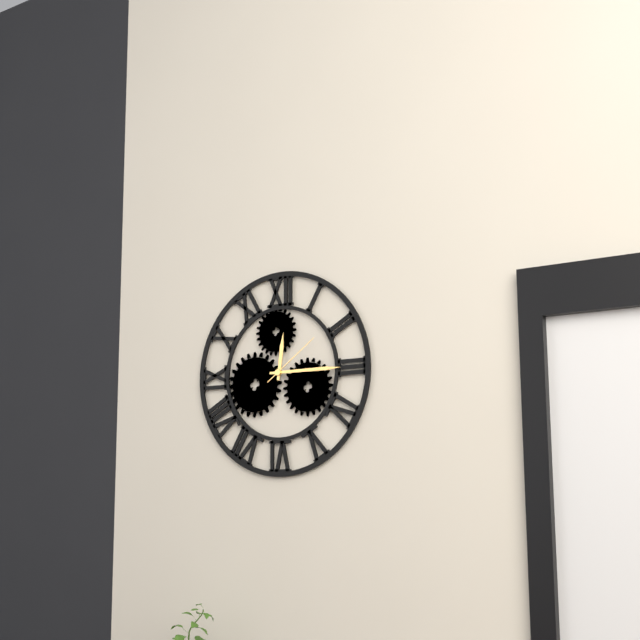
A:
**12:15:09**
